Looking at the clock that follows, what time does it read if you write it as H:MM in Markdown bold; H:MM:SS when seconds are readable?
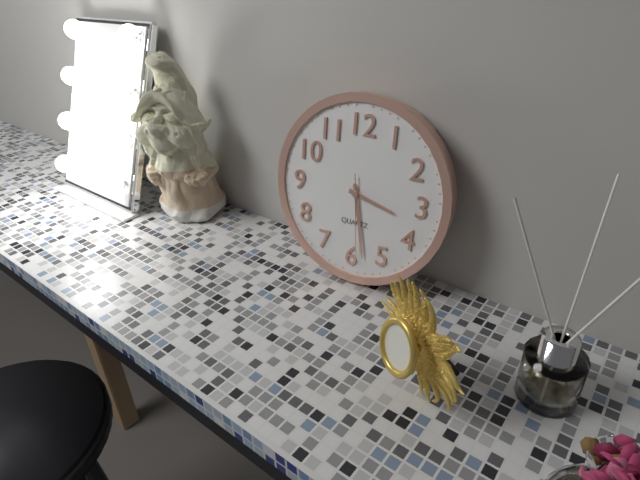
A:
**3:28:29**
